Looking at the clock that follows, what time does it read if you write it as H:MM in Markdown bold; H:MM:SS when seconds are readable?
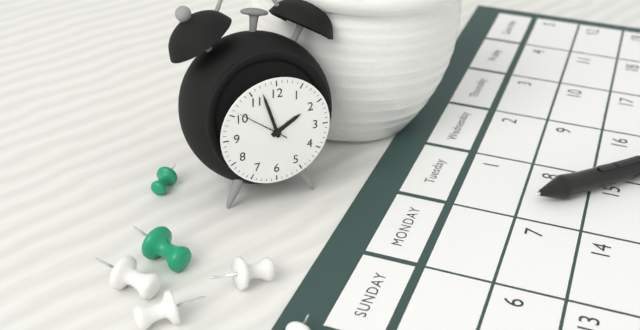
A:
**1:57:51**
